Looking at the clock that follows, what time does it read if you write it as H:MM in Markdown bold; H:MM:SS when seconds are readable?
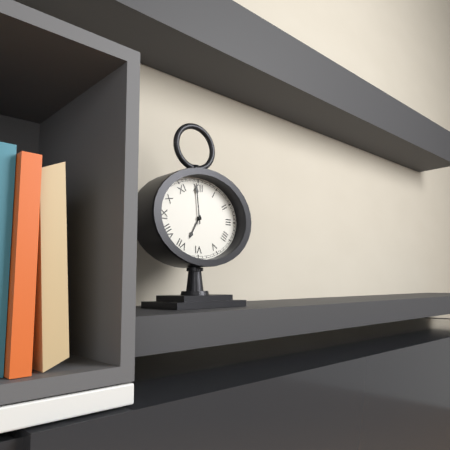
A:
**6:59**
